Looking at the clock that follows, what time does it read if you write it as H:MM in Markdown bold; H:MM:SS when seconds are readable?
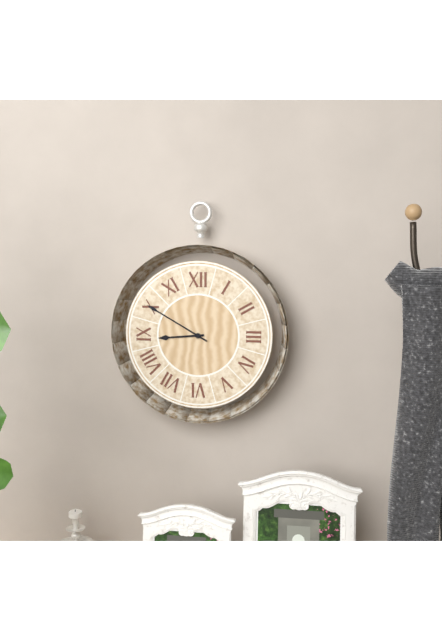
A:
**8:50**
